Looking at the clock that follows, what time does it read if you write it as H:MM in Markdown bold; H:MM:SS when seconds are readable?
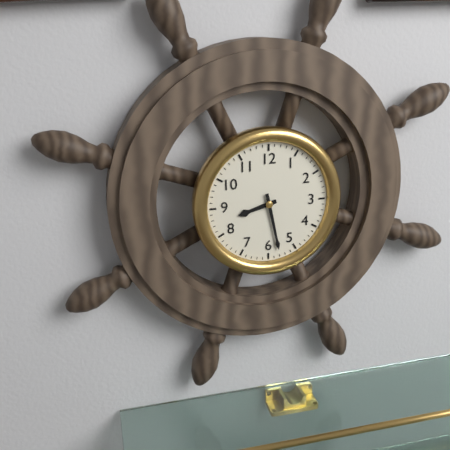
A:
**8:28**
